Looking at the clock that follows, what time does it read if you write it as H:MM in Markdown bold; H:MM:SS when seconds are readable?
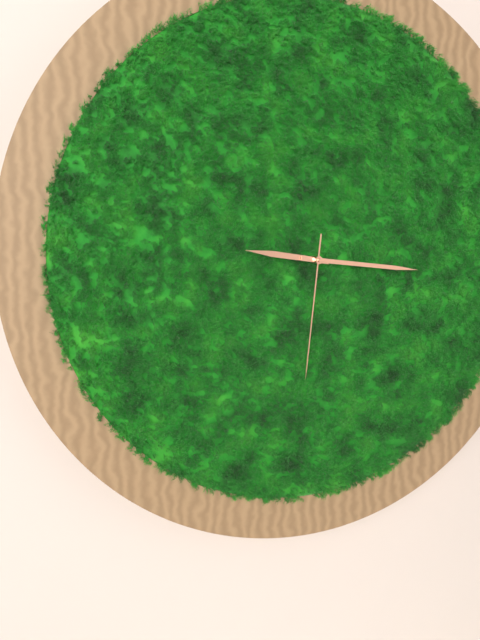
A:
**9:16:31**
